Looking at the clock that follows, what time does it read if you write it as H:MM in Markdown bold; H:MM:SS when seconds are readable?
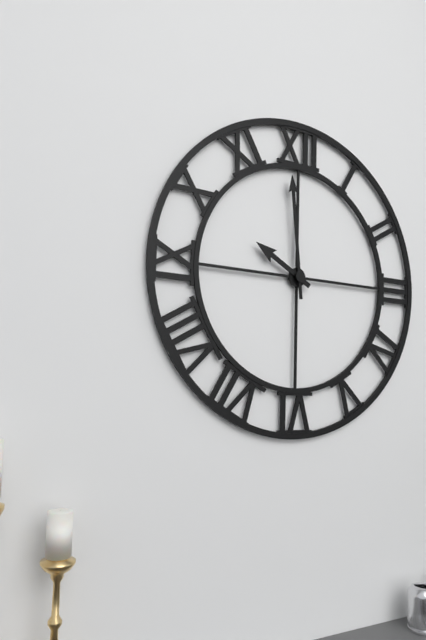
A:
**9:59**
